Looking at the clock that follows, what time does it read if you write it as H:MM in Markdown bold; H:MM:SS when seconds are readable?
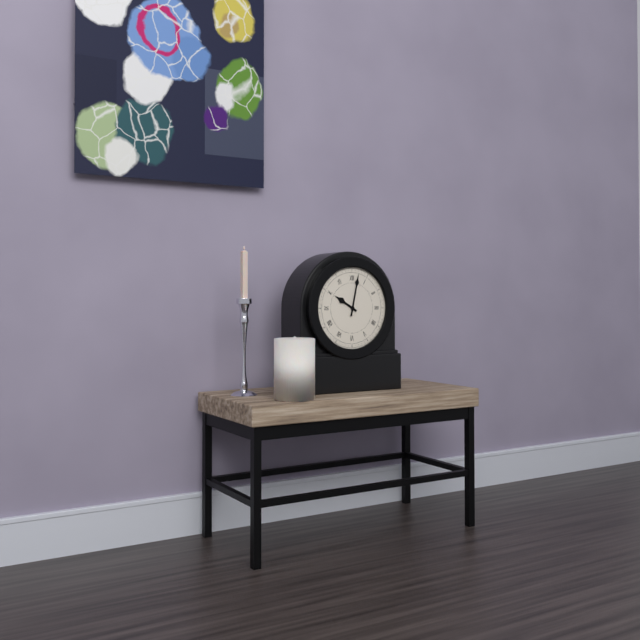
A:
**10:02**
